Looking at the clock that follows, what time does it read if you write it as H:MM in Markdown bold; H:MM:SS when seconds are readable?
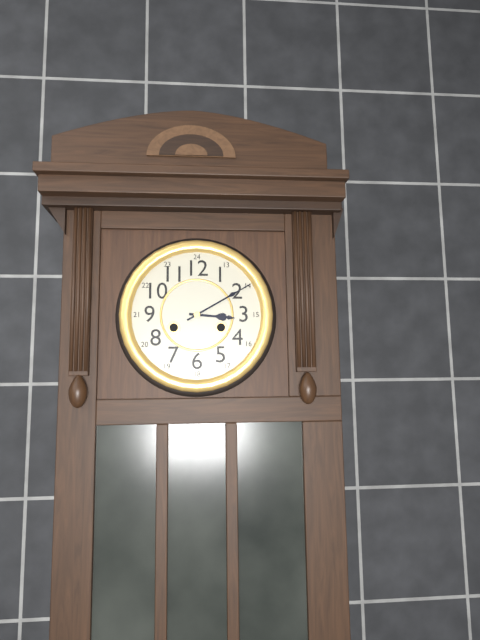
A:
**3:10**
